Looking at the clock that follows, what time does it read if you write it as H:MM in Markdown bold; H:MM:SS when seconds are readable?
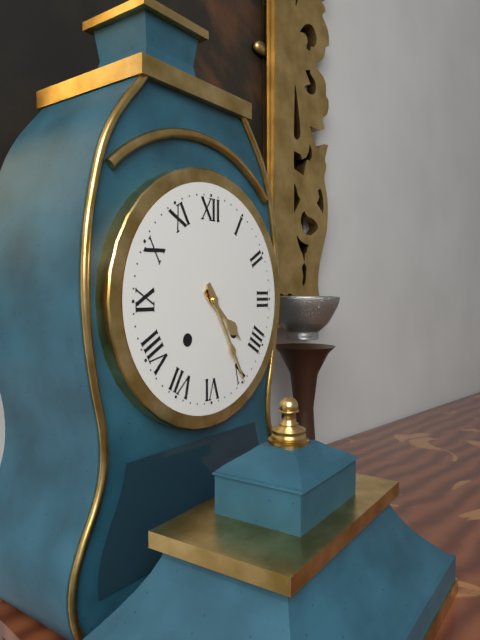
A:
**4:25**
